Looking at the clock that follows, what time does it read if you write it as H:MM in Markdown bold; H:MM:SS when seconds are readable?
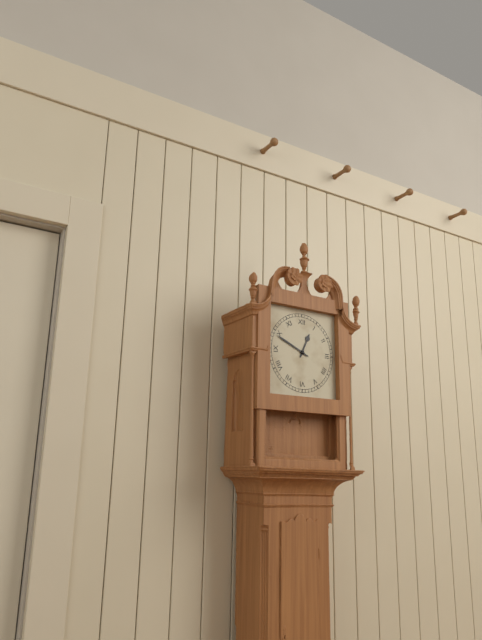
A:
**12:49**
